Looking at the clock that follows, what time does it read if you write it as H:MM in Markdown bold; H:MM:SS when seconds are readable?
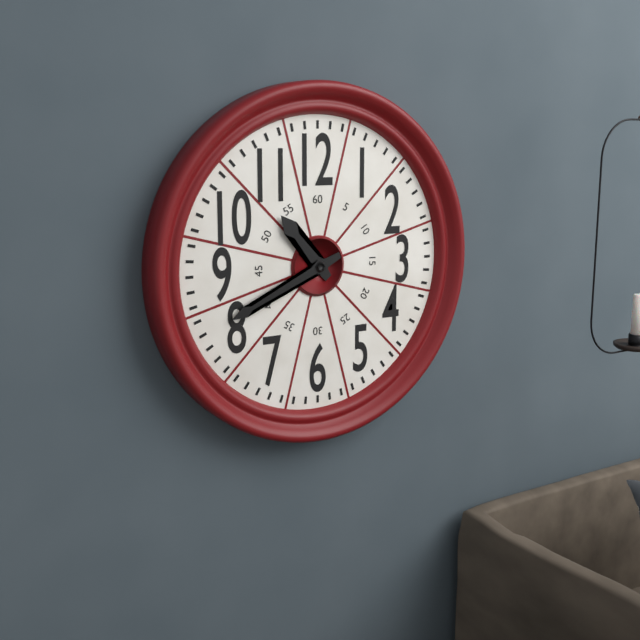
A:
**10:41**
